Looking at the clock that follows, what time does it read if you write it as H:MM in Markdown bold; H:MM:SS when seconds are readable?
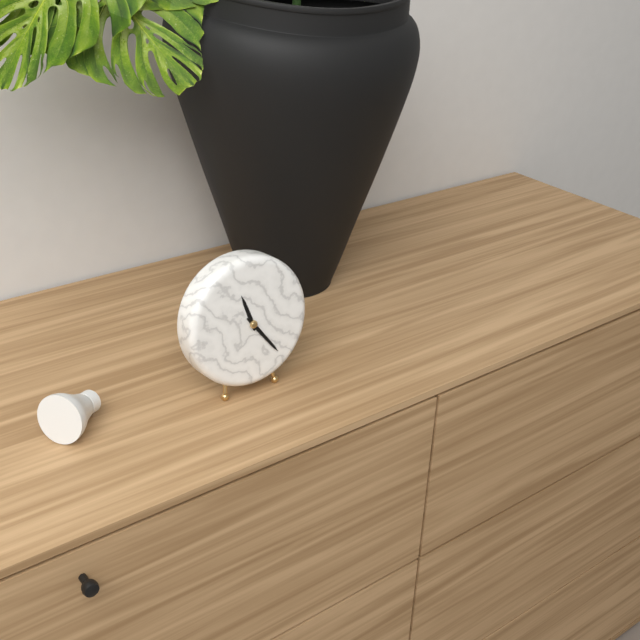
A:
**11:24**
